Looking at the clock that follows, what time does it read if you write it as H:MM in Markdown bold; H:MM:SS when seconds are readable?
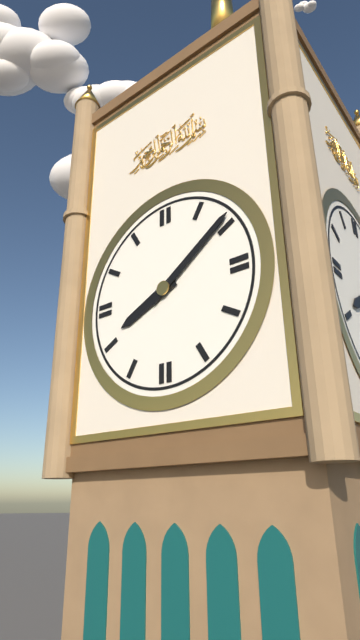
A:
**8:09**
